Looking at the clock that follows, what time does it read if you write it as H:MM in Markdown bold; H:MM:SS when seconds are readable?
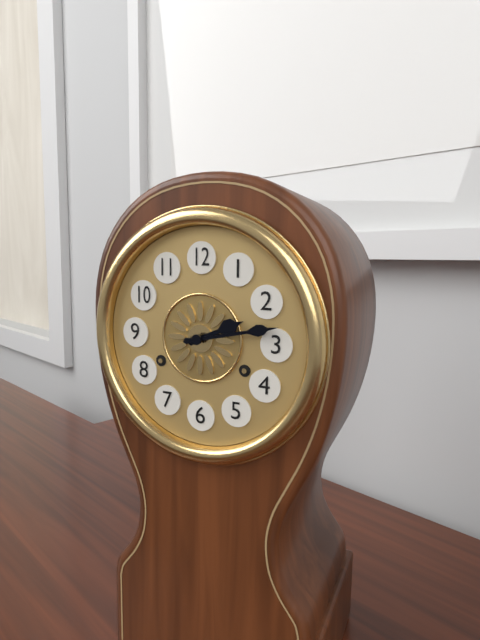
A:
**2:13**
